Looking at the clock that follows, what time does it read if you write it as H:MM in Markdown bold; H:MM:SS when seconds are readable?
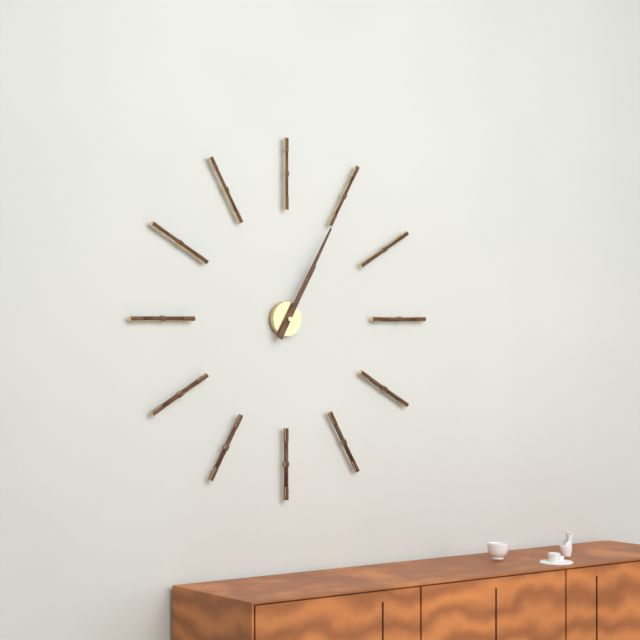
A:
**1:05**
